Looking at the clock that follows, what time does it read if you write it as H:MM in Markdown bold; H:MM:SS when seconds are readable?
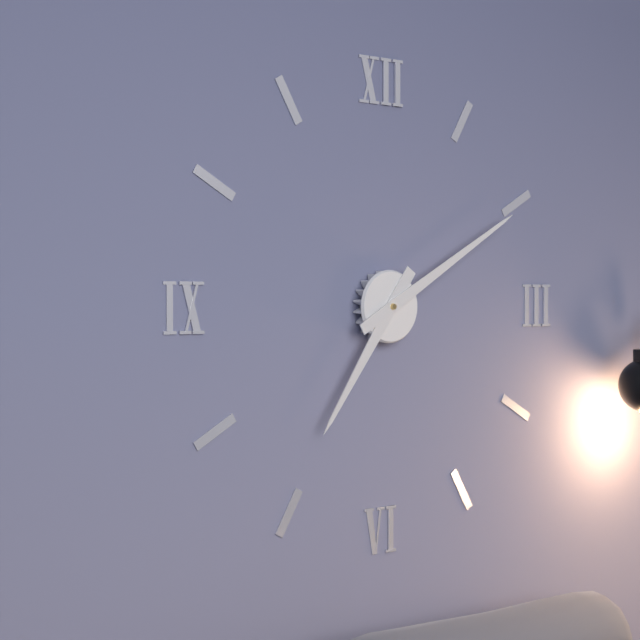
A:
**7:10**
